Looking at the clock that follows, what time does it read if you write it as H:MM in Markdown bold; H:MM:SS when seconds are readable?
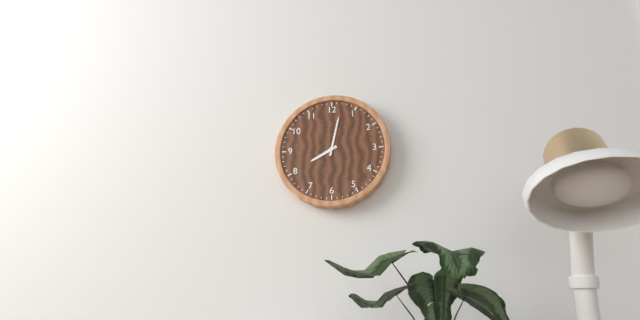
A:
**8:02**
